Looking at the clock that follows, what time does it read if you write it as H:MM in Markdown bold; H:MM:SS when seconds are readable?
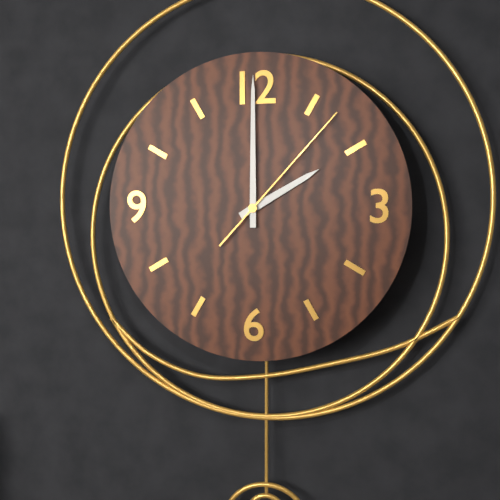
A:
**2:00:07**
